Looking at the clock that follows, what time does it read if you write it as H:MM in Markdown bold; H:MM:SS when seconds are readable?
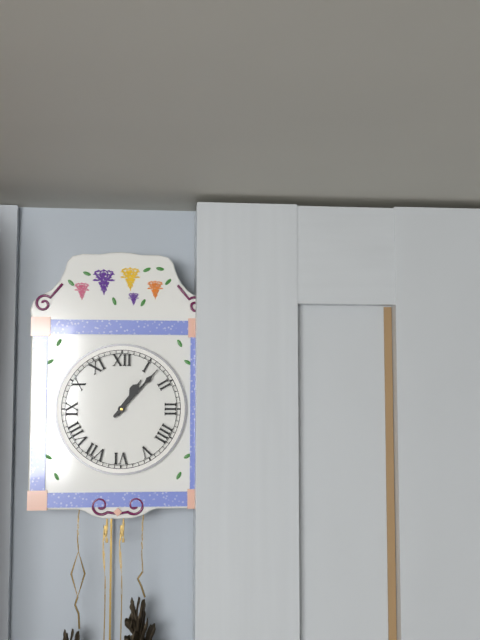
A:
**1:07**
